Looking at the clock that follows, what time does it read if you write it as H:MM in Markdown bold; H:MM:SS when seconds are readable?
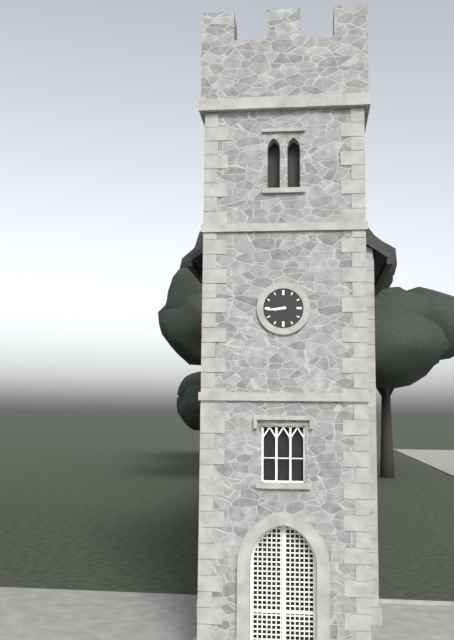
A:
**8:44**
